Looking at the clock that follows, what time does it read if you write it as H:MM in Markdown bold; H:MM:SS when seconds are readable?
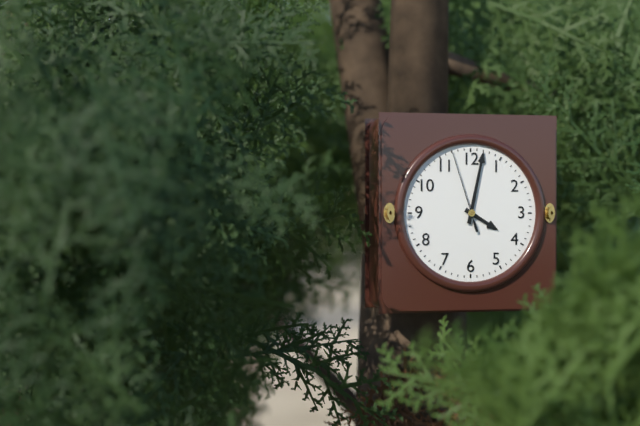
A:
**4:02:57**
